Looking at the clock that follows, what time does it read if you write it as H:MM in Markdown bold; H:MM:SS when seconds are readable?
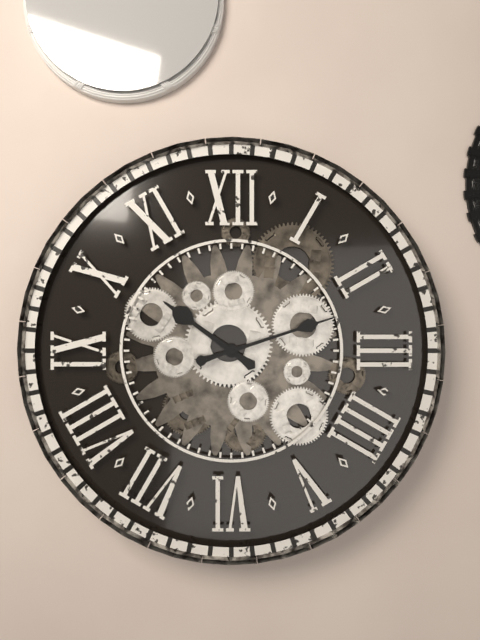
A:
**10:12**
